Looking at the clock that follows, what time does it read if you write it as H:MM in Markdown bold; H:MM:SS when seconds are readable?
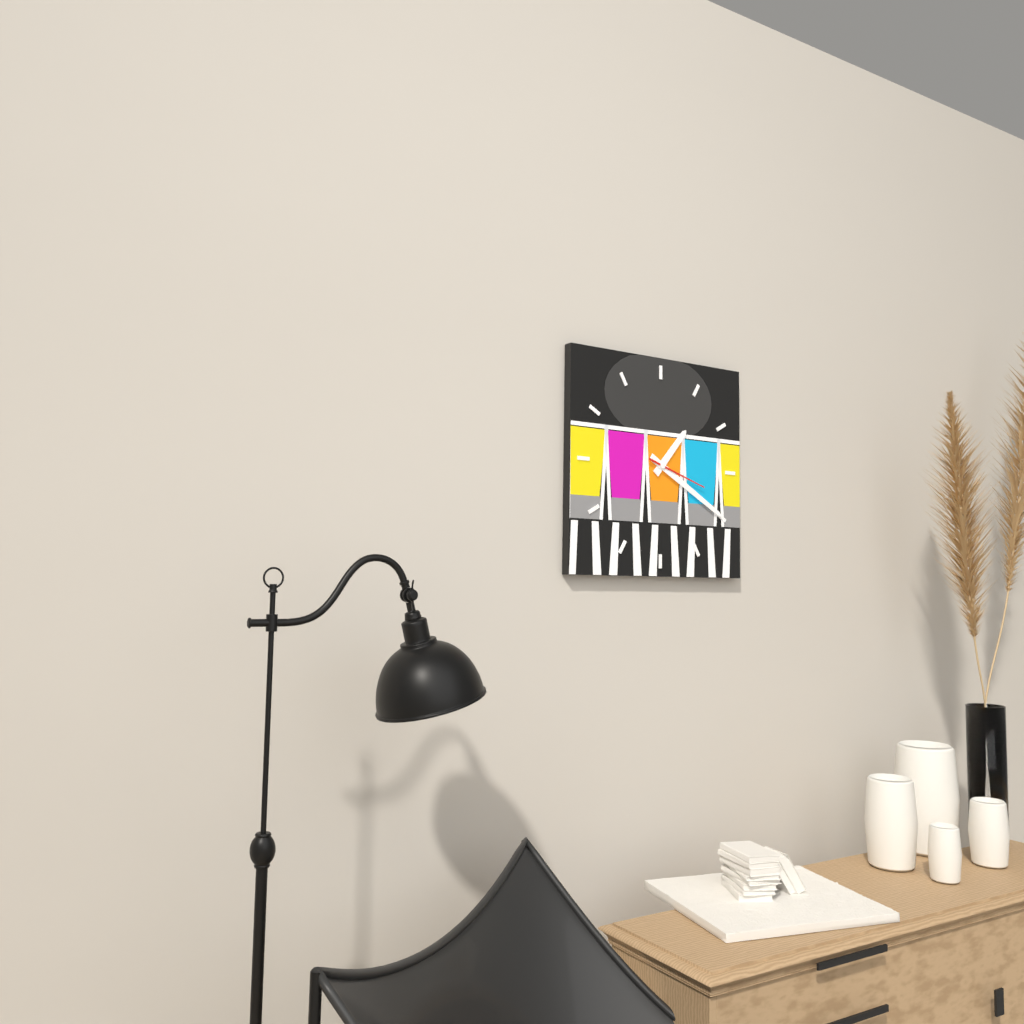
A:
**1:20:18**
